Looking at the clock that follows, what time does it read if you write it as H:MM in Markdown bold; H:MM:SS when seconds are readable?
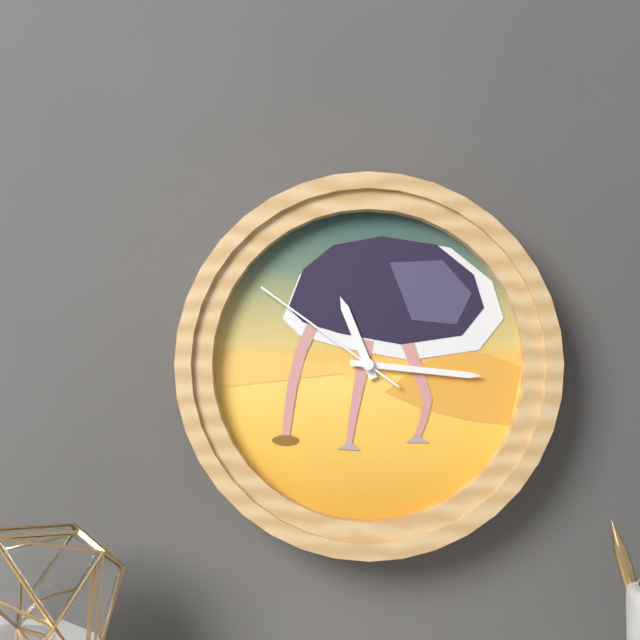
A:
**11:16:51**
